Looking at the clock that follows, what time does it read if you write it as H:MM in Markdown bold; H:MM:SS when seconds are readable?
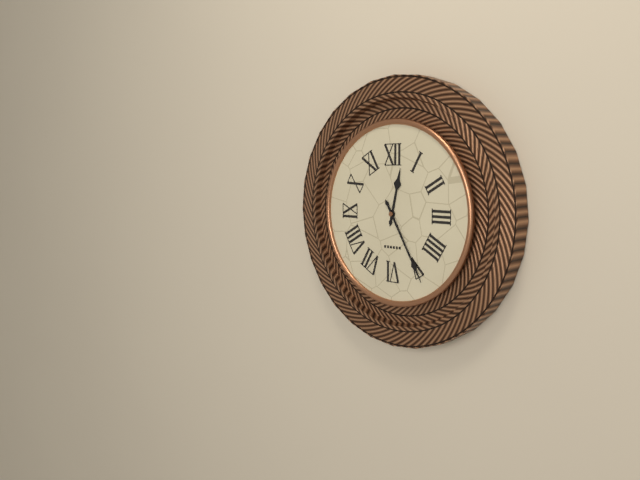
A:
**12:25**
